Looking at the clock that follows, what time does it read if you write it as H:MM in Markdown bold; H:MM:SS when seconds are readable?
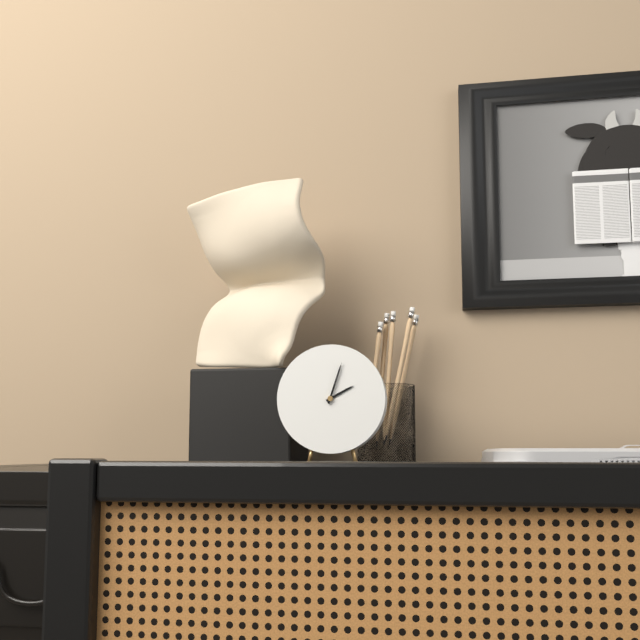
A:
**2:03**
